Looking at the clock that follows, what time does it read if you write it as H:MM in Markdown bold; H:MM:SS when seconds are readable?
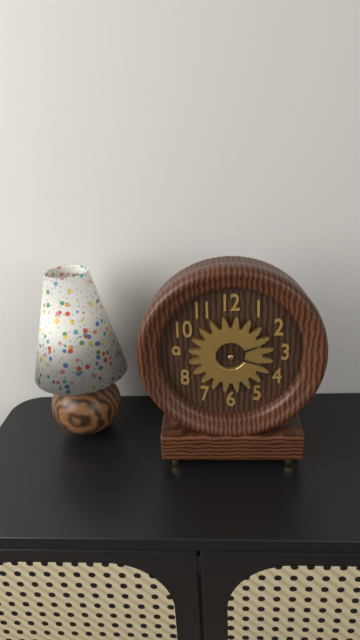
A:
**2:18**
